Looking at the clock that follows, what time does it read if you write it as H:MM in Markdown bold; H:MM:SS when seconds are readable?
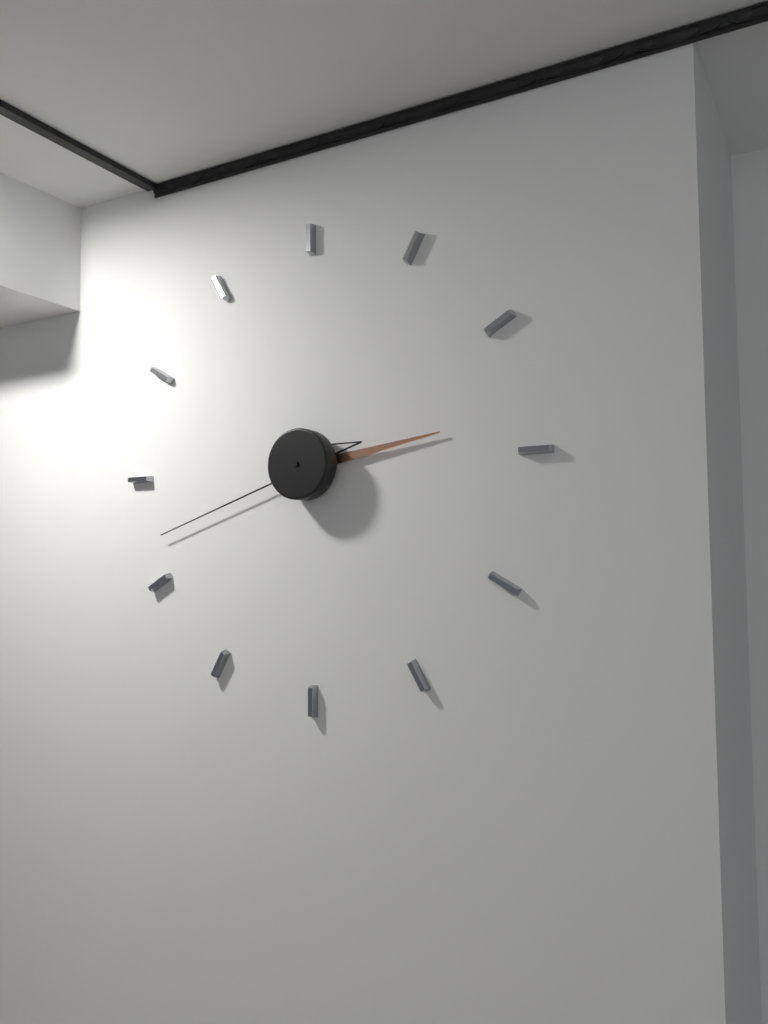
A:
**2:42**
